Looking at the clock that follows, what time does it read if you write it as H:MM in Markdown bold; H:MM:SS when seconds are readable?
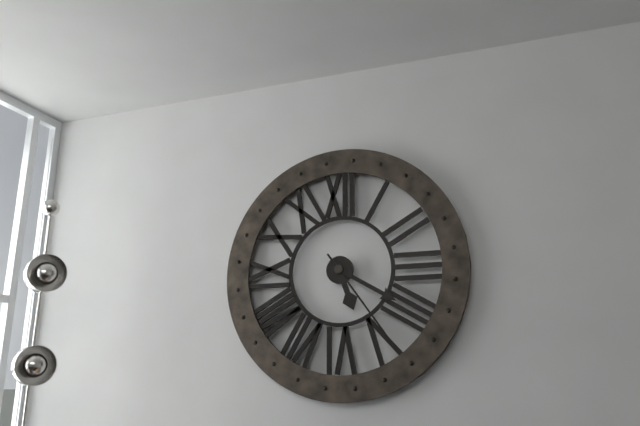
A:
**5:20:24**
